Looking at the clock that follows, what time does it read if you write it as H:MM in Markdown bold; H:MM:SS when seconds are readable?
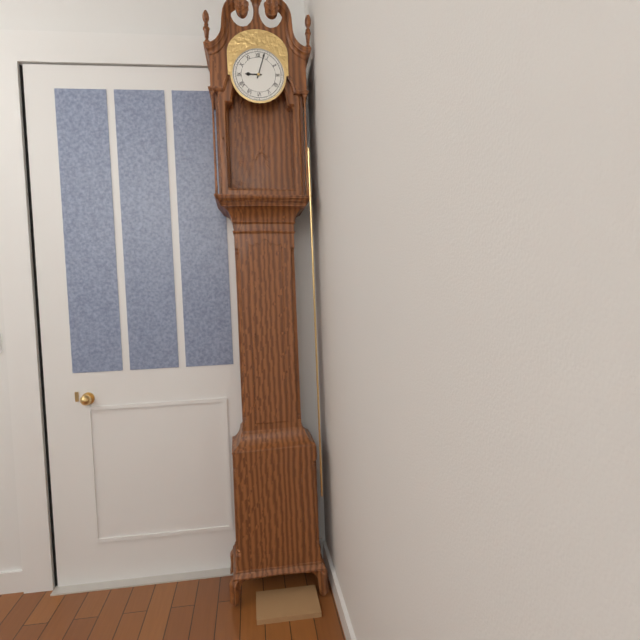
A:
**9:03**
